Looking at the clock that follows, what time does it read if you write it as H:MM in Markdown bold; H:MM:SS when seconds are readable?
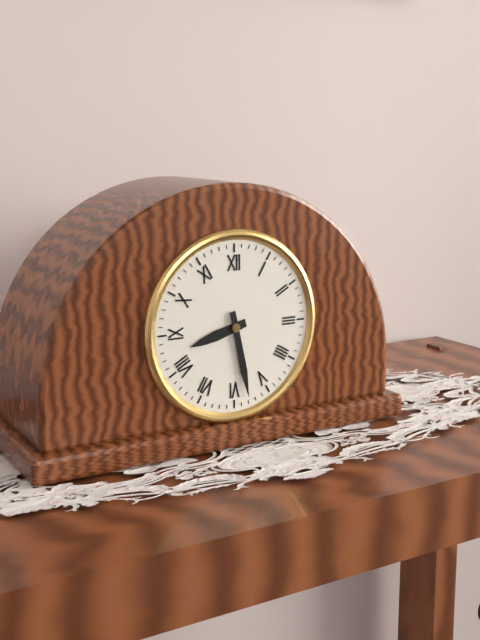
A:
**8:28**
